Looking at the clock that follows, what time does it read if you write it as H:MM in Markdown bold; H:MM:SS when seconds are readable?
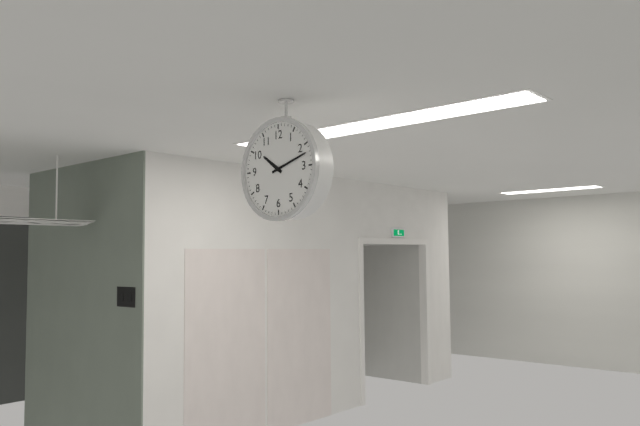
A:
**10:12**
